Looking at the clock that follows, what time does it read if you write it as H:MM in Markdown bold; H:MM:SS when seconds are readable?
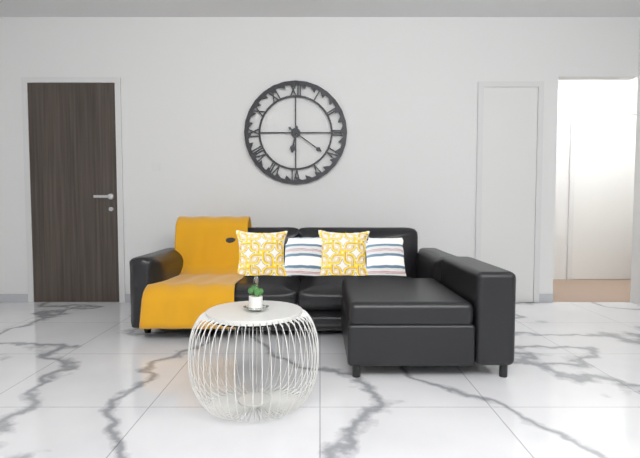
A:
**6:21**
